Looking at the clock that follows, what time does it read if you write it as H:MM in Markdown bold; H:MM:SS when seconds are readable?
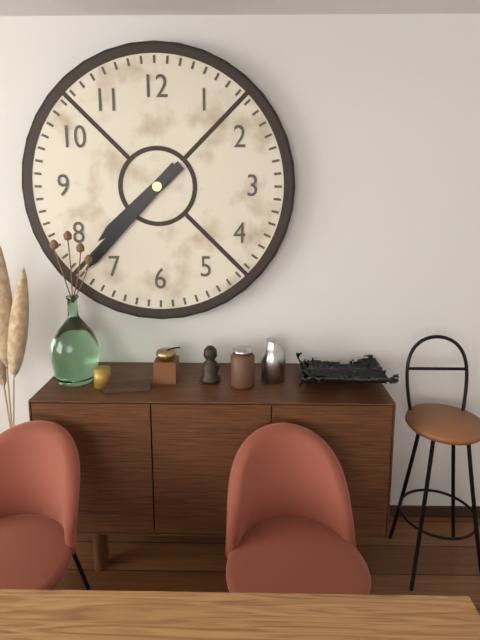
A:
**7:37**
